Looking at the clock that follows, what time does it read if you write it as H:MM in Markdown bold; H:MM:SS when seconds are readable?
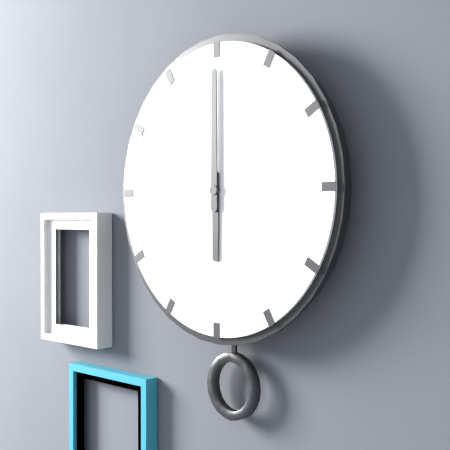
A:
**6:00**
